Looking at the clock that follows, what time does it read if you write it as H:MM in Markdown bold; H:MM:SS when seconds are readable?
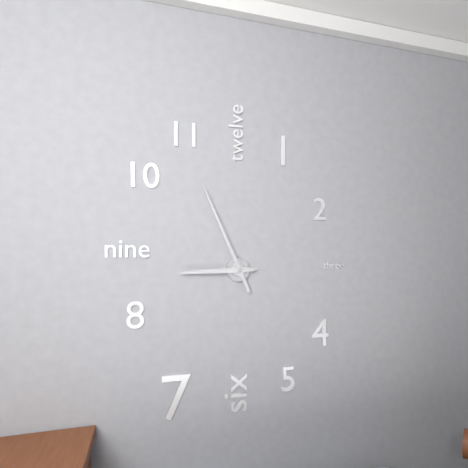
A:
**8:56**
